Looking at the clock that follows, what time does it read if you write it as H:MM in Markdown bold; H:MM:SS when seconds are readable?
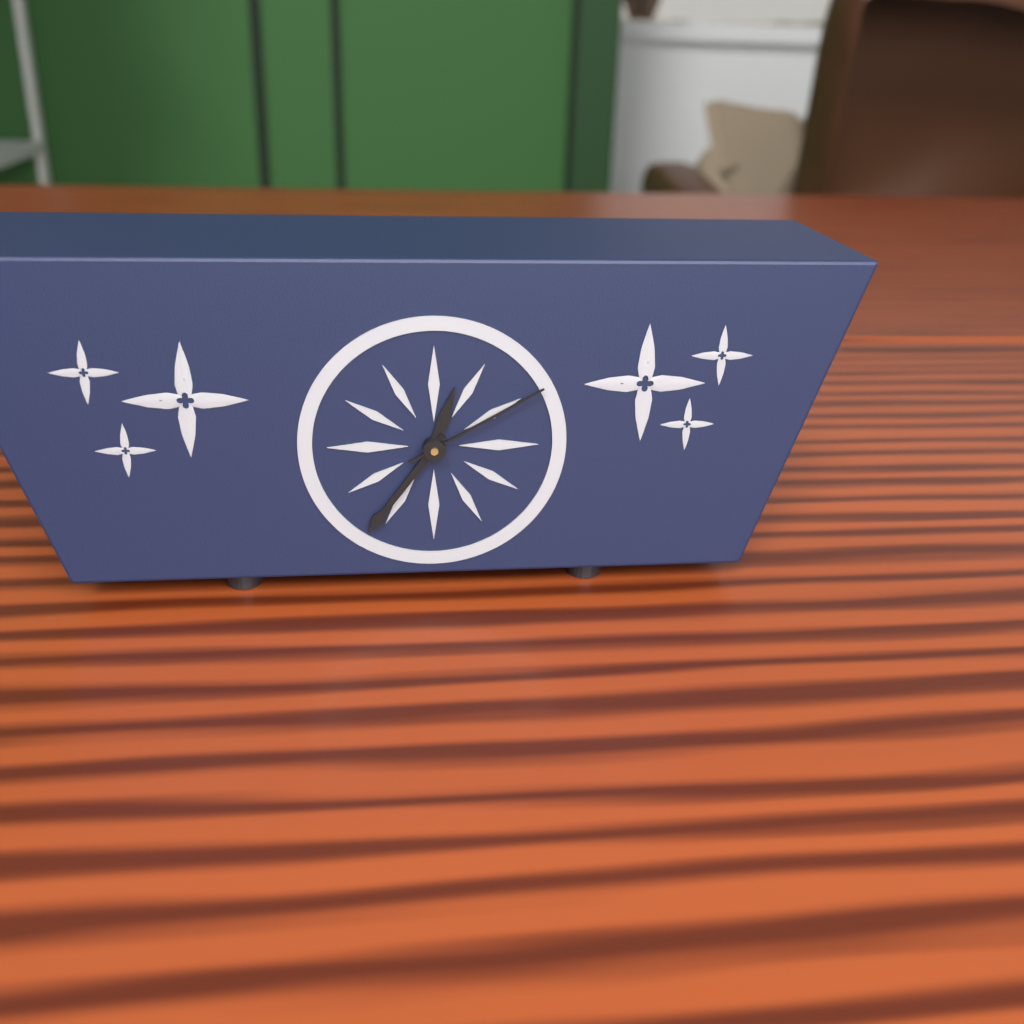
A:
**12:36:10**
